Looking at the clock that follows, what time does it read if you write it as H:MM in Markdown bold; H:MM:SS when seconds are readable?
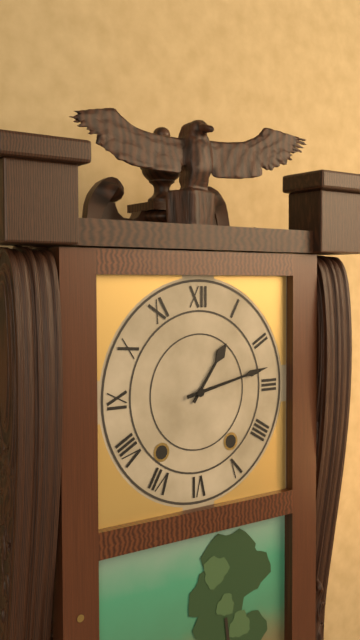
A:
**1:13**
